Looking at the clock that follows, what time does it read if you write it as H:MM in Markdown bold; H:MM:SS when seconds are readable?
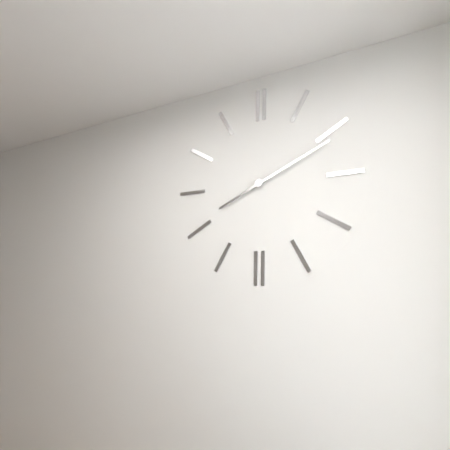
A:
**8:11**
